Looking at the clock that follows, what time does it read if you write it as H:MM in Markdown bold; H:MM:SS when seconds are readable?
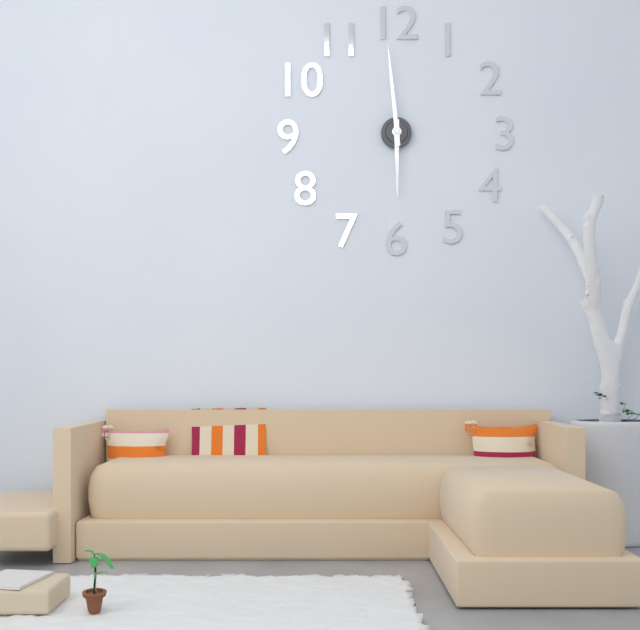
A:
**5:59**
